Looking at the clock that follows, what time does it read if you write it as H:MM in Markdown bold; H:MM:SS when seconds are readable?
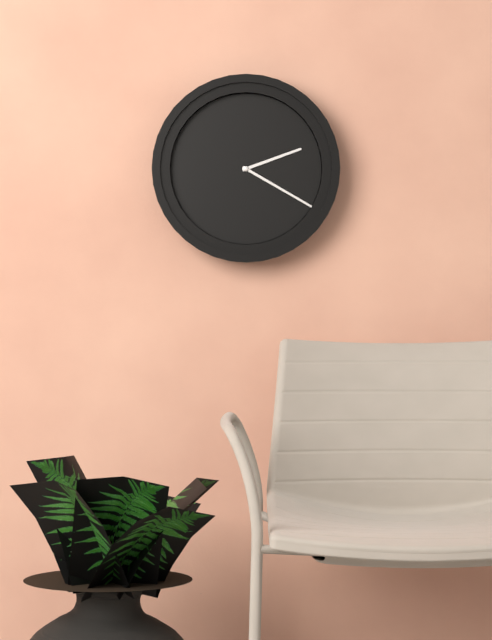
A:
**2:20**
